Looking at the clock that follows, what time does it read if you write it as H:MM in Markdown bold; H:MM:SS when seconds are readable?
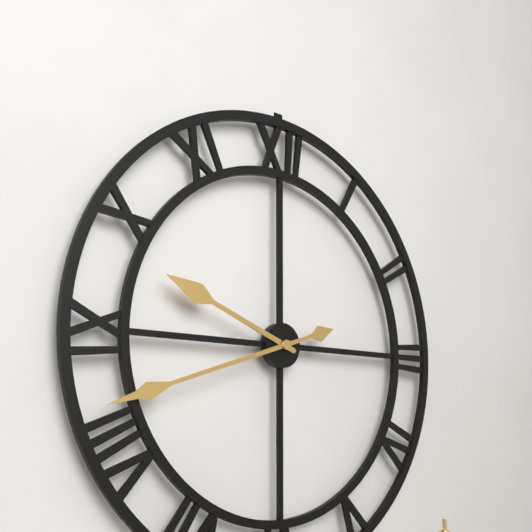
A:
**9:42**
